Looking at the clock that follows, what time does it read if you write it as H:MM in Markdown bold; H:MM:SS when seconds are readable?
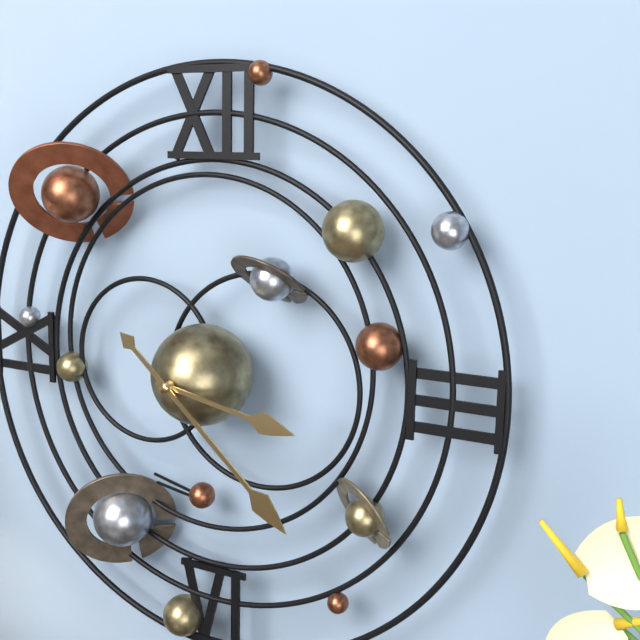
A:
**3:22**
